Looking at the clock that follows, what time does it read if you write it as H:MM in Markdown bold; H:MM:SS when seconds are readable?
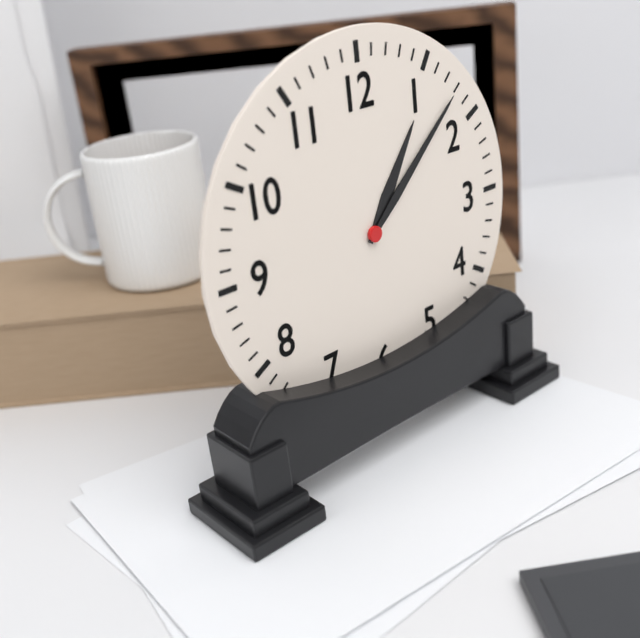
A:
**1:08**
